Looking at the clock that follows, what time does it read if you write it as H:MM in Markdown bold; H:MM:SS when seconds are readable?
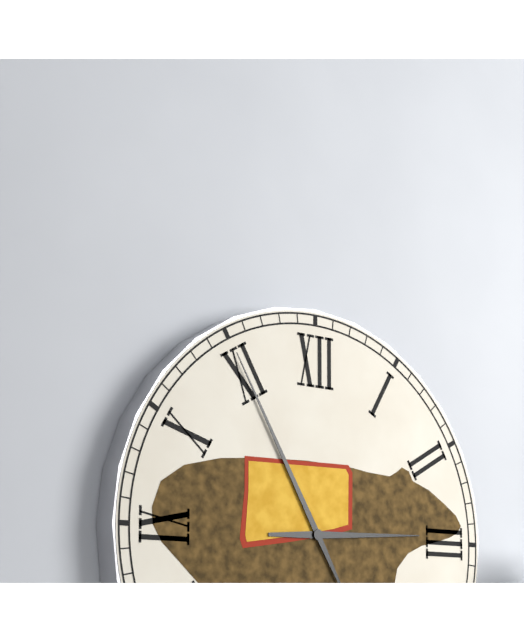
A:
**2:55**
